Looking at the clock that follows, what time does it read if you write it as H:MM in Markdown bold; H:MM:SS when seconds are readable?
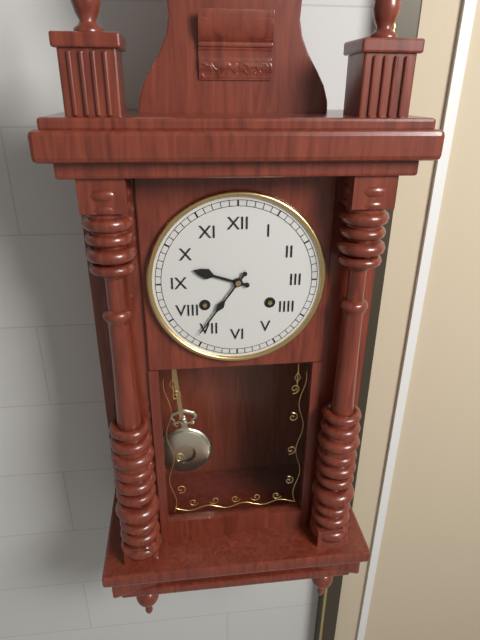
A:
**9:36**
